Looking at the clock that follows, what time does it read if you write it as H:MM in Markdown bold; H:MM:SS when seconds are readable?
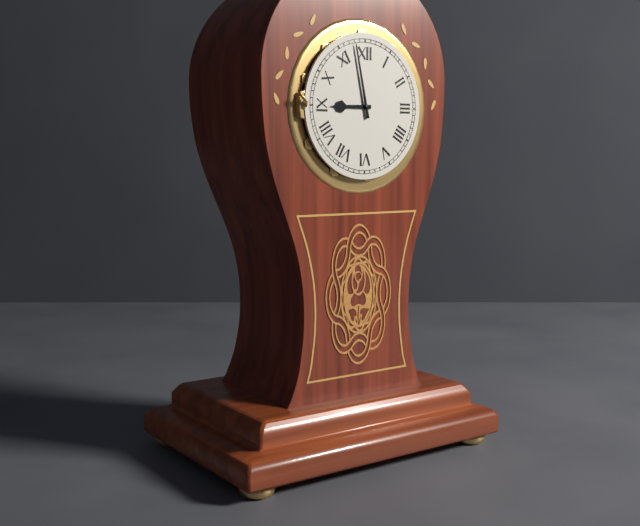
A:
**8:58**
